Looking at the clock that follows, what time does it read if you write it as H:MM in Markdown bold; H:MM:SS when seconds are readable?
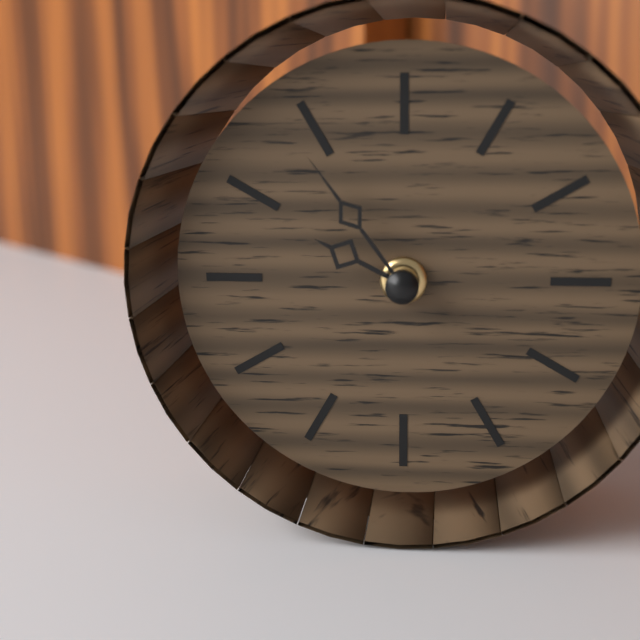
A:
**9:54**
